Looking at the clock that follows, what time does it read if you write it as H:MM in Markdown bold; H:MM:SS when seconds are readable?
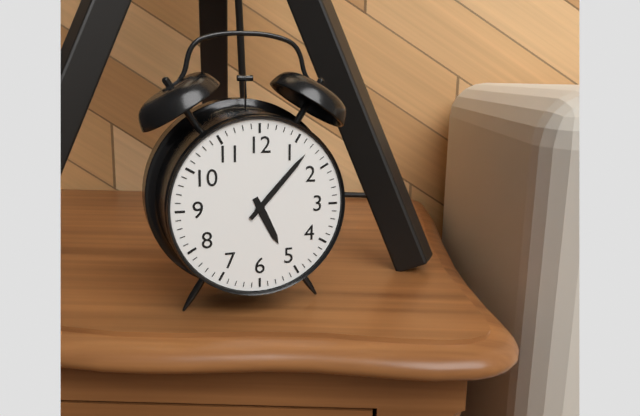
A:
**5:07**
